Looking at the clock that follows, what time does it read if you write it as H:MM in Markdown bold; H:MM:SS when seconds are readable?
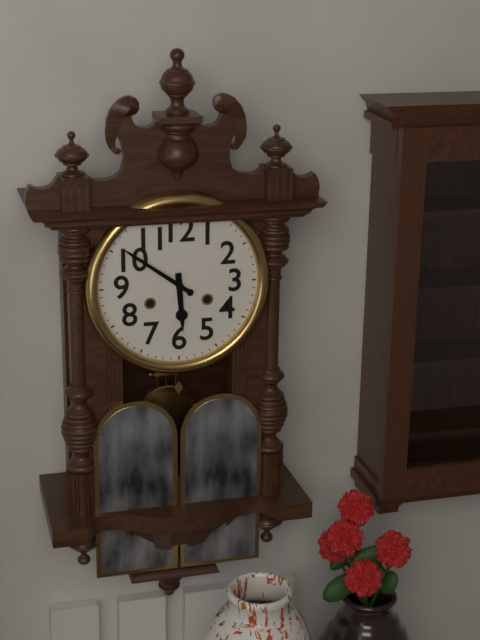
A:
**5:51**
